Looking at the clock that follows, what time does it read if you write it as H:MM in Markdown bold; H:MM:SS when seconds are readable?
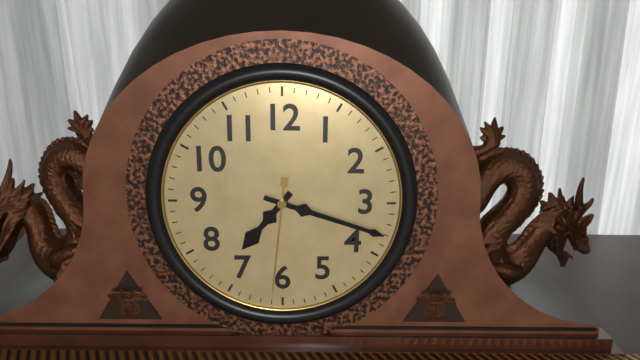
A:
**7:18:31**
